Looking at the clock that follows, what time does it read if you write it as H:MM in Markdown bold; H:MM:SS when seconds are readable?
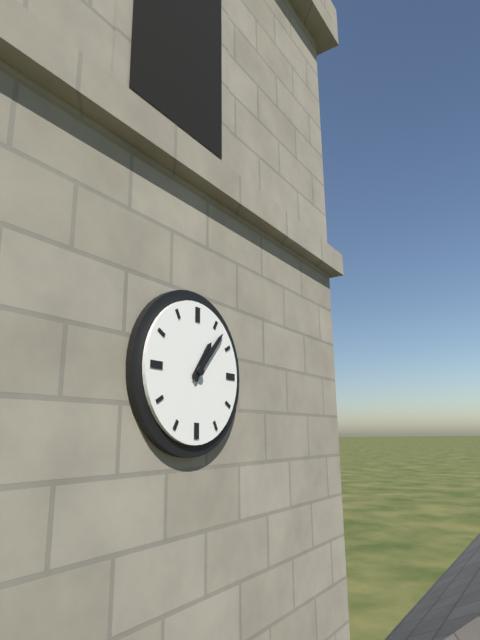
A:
**1:07**
